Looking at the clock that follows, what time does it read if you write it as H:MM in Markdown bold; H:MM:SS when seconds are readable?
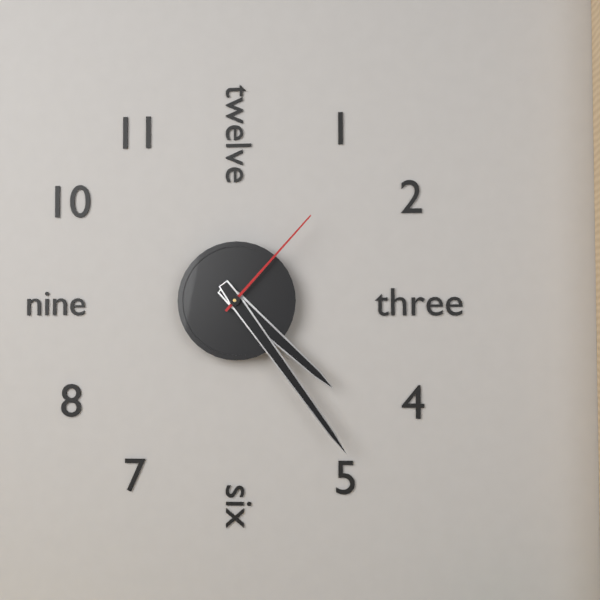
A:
**4:24:07**
